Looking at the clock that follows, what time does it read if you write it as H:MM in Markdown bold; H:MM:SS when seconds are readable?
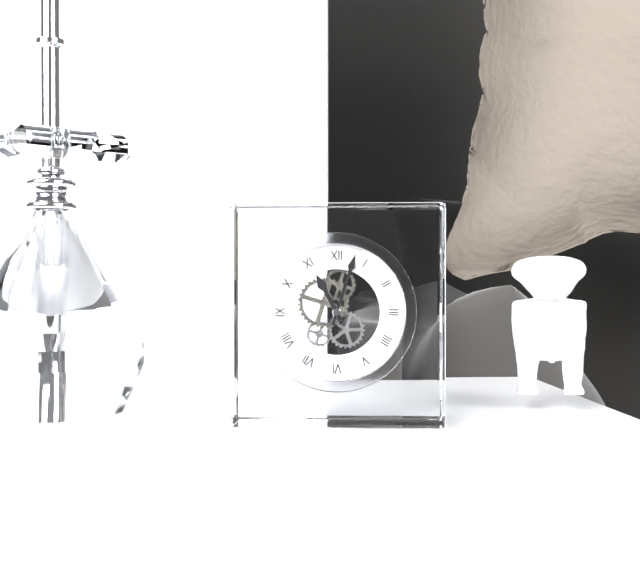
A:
**11:03**
